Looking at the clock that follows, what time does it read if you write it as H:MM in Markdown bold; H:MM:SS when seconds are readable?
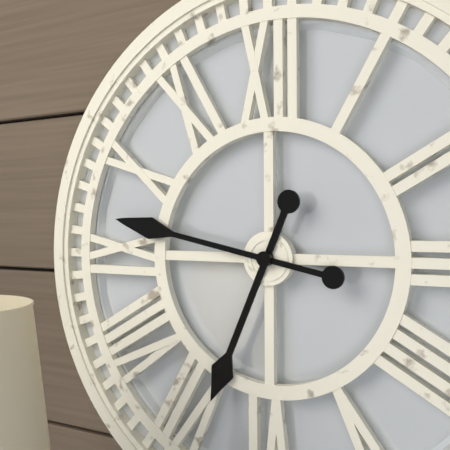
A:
**6:47**
